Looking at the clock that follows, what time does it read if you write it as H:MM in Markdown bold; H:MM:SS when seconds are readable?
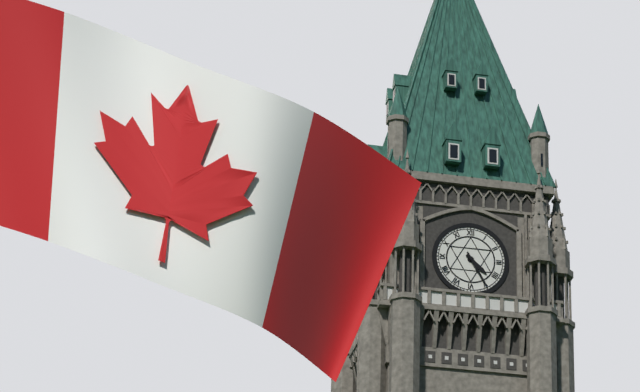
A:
**4:25**
